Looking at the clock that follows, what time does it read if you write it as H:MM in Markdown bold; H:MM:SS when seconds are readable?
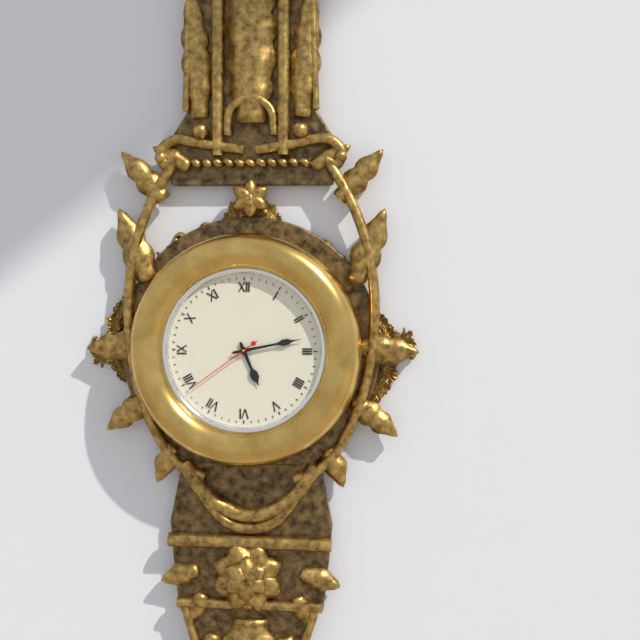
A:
**5:13:39**
